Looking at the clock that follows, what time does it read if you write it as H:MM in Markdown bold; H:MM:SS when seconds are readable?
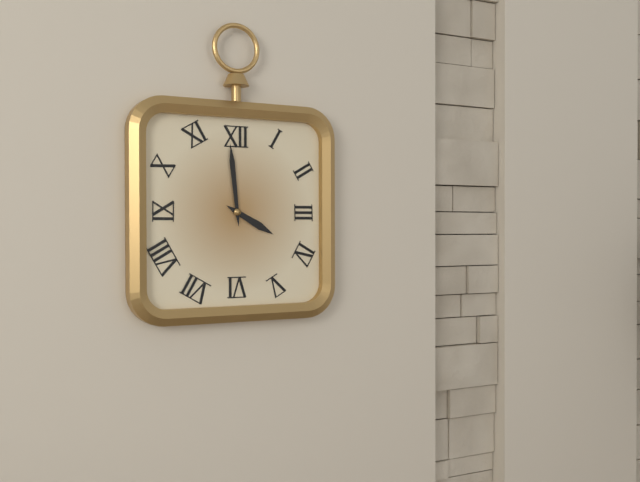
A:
**3:59**
